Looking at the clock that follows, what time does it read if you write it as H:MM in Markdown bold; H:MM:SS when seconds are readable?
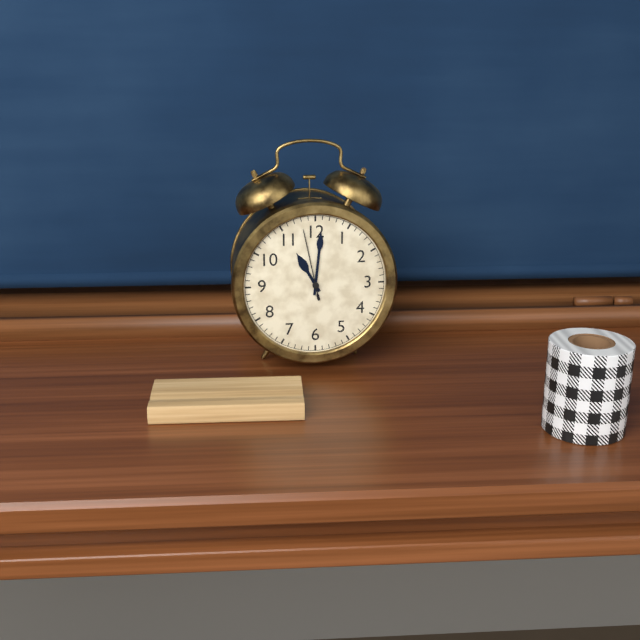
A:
**11:01:58**
